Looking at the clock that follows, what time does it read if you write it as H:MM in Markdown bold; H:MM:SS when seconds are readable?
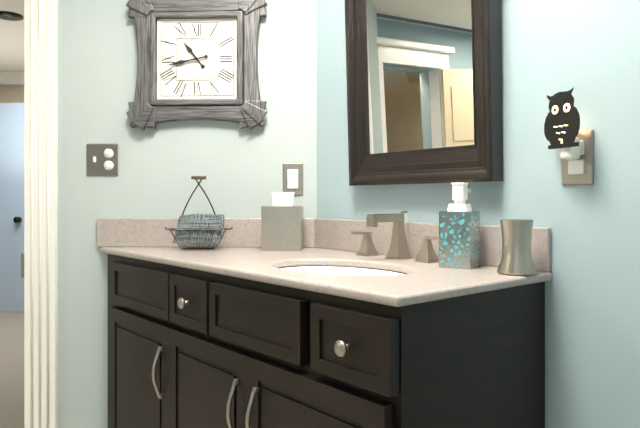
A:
**10:43**
